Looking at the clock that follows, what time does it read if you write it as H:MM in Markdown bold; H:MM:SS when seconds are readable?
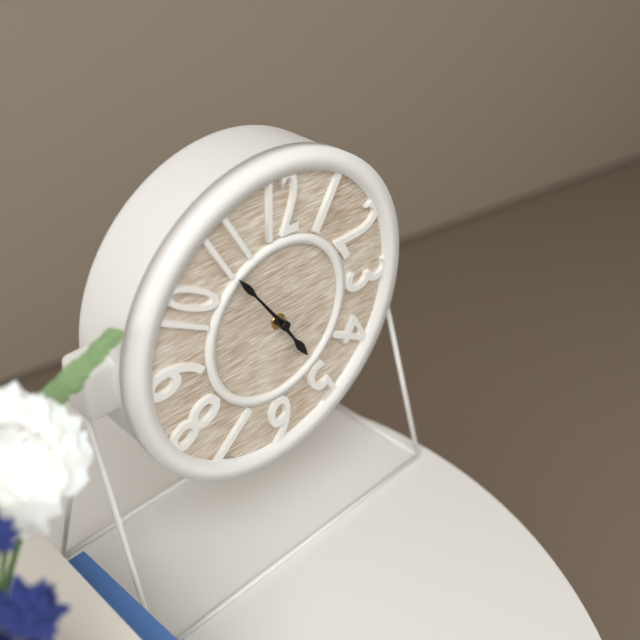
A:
**4:54**
